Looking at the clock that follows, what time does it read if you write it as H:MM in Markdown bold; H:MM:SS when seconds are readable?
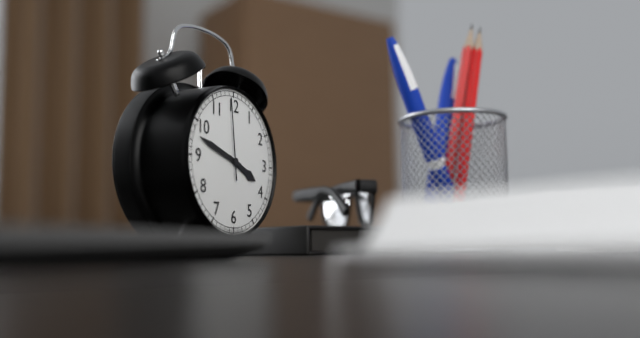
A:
**3:48:59**
